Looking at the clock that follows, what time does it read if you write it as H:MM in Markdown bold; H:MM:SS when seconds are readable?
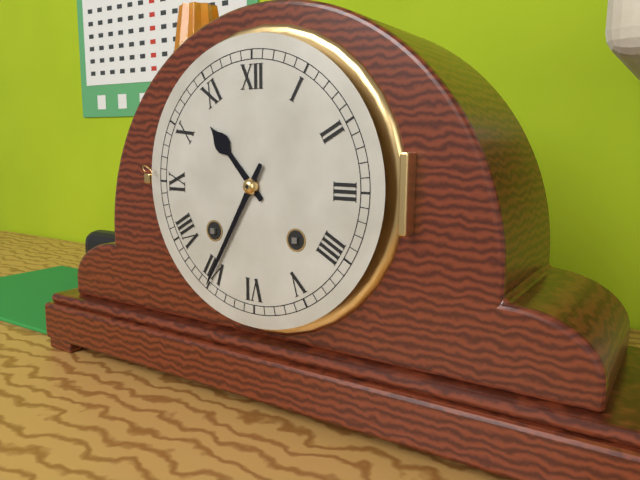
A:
**10:35**
